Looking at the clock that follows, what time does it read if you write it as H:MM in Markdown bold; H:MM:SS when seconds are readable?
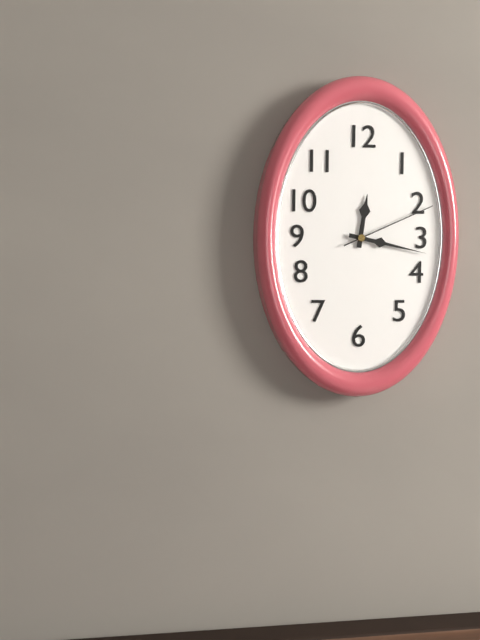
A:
**12:17:11**
